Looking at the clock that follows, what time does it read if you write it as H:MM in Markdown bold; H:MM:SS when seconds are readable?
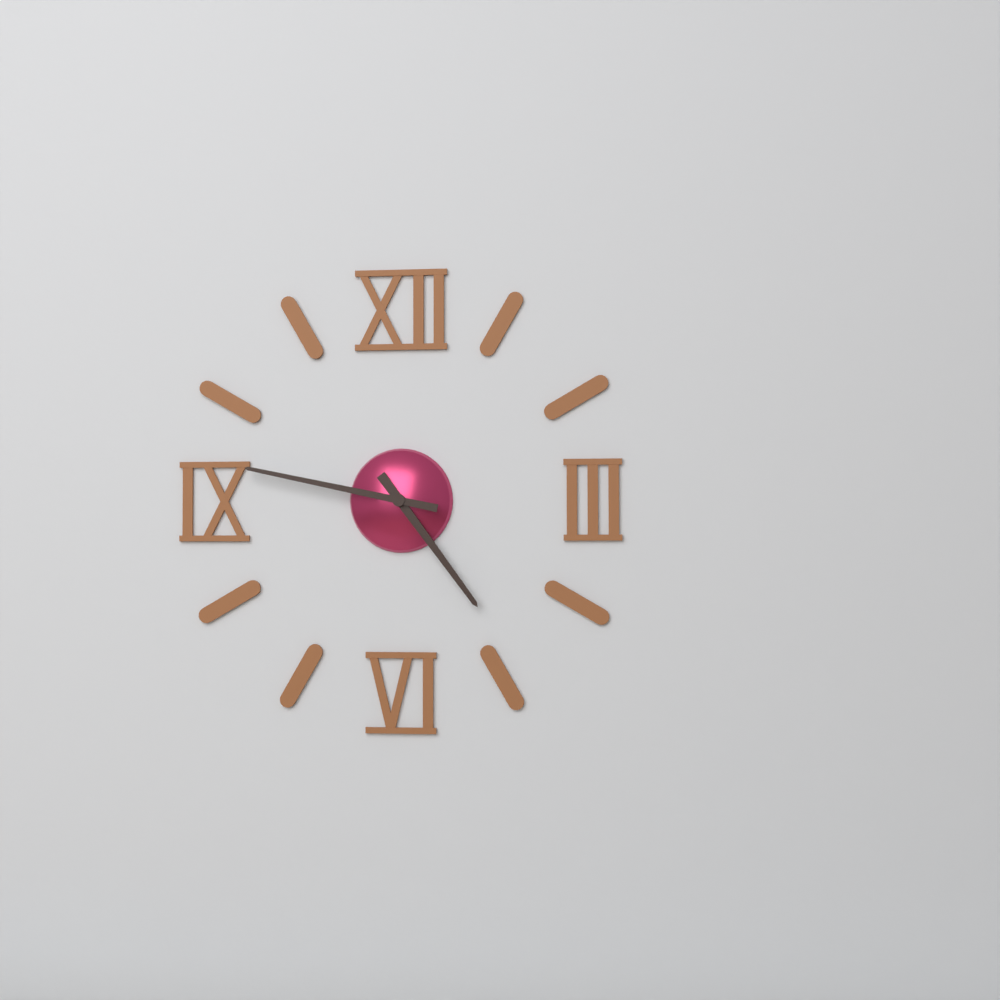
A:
**4:47**
